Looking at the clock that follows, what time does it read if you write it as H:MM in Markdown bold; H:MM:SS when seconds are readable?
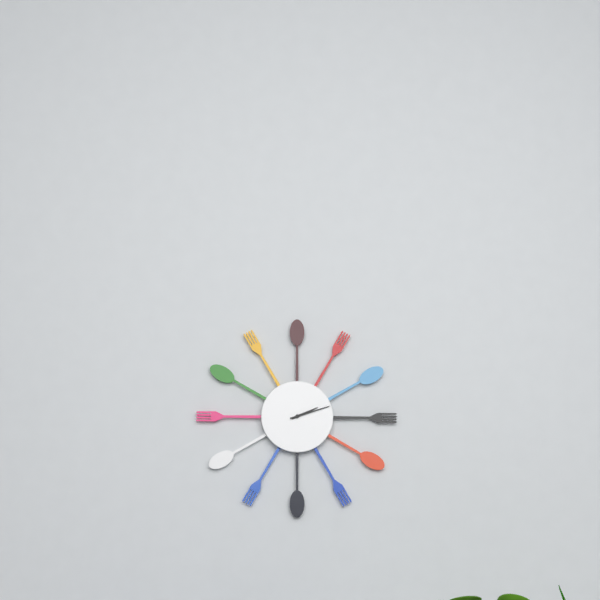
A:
**2:12**
